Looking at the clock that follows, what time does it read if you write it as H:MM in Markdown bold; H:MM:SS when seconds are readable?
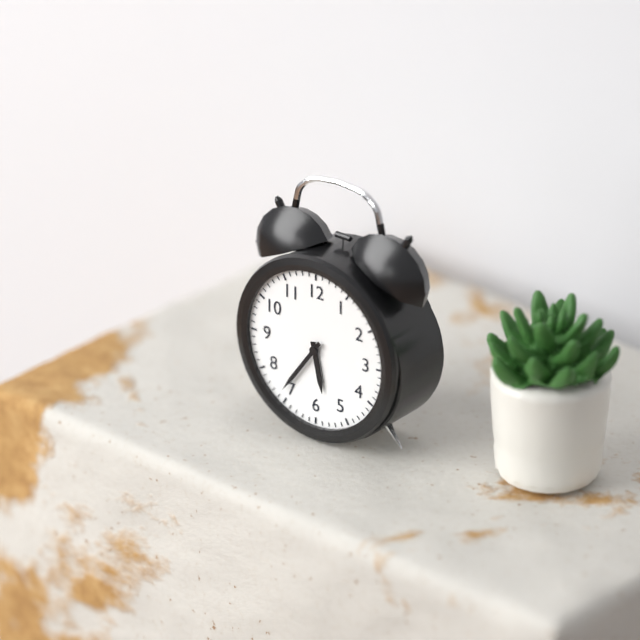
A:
**5:36**
